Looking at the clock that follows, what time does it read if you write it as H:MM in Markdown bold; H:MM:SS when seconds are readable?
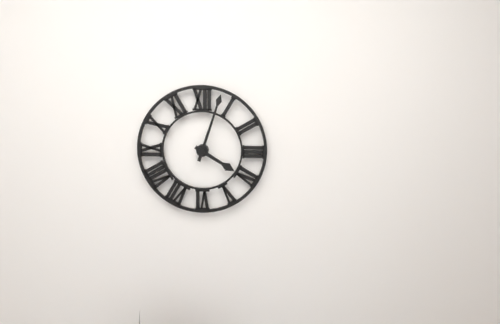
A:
**4:03**
